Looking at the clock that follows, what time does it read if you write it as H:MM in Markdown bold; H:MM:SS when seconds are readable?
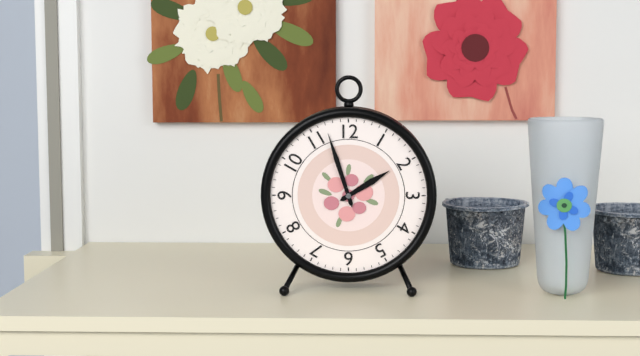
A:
**1:57**
